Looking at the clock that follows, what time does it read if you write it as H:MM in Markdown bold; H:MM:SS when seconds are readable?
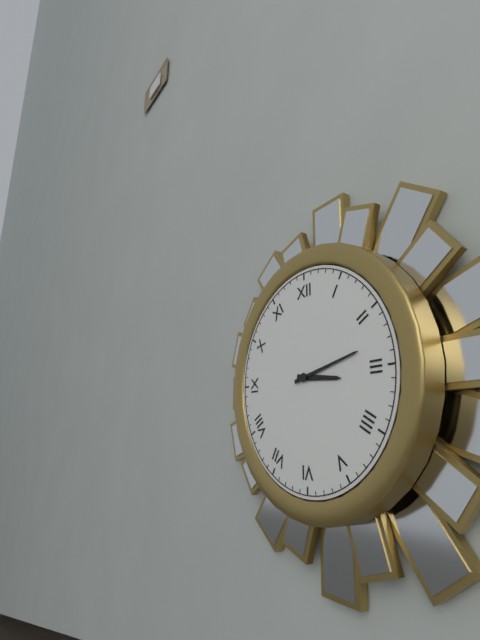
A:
**3:13**
